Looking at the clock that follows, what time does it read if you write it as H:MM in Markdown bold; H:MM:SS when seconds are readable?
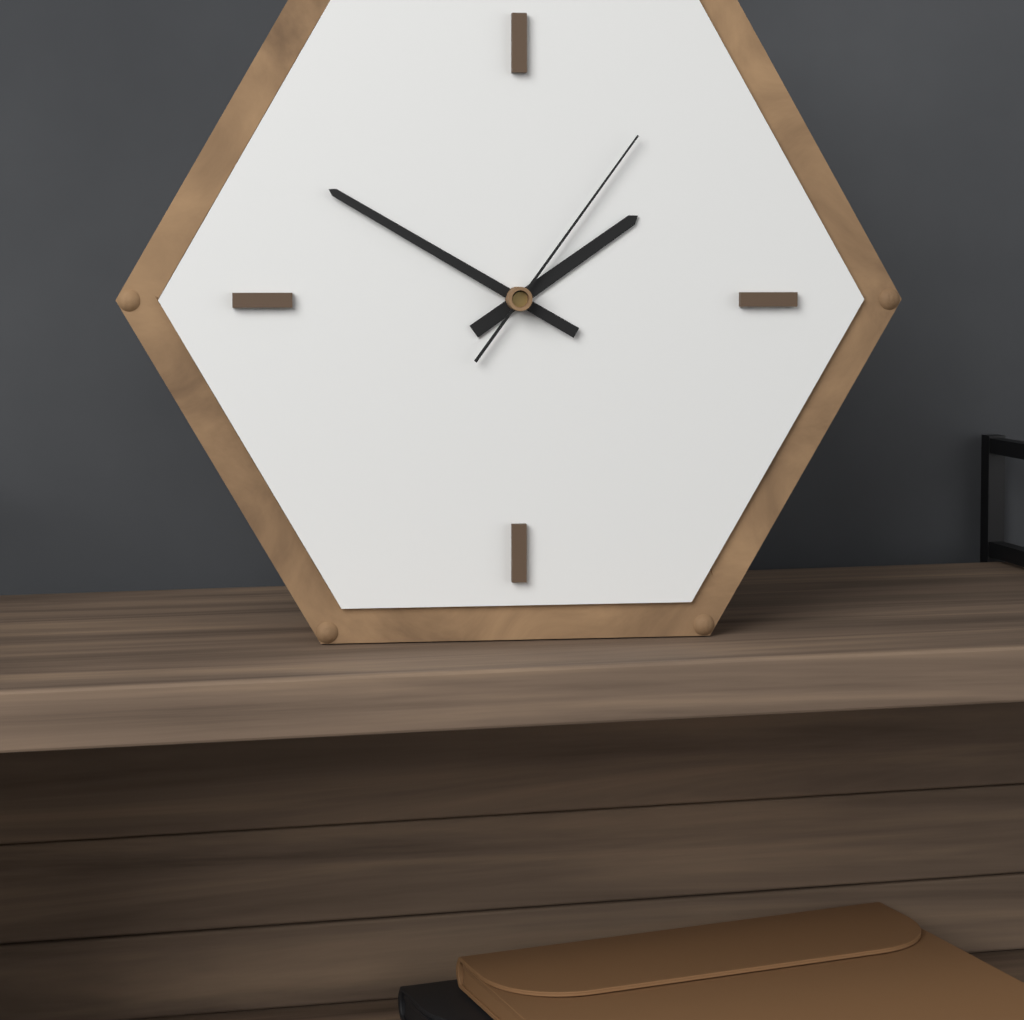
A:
**1:50:06**
